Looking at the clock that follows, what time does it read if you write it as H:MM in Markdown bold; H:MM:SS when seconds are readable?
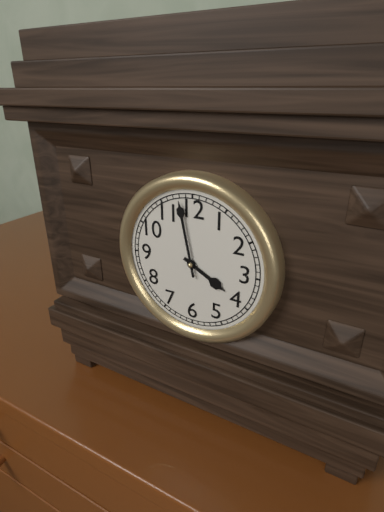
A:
**3:58**
